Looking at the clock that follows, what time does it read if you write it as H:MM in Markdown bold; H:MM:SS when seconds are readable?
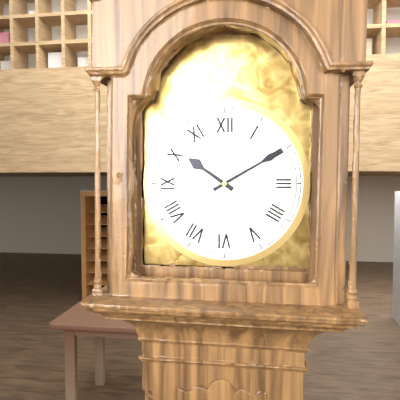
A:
**10:10**
